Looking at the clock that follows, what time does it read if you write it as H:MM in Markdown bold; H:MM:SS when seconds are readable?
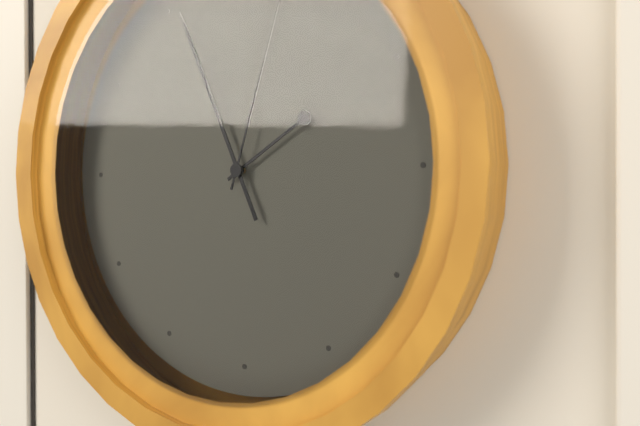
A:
**1:56**
